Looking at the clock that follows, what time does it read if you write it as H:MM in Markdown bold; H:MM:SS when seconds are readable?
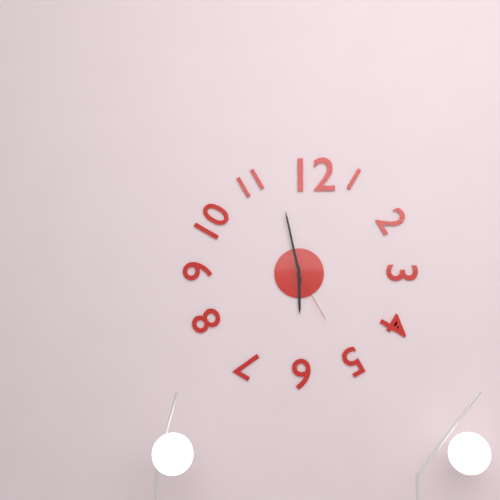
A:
**5:58:25**
